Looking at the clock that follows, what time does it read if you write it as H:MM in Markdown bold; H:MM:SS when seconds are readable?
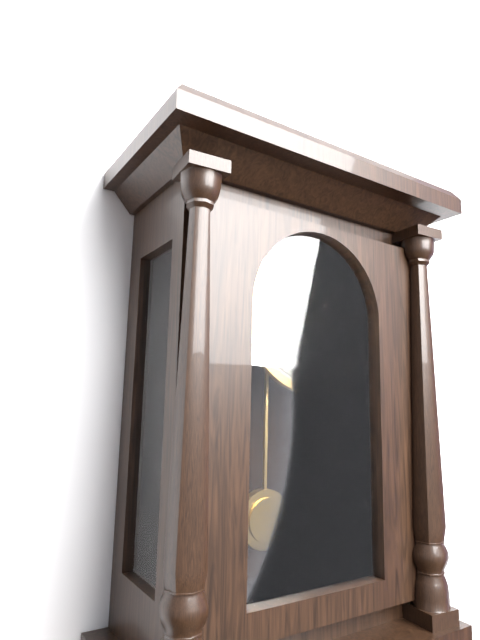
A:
**9:24**
